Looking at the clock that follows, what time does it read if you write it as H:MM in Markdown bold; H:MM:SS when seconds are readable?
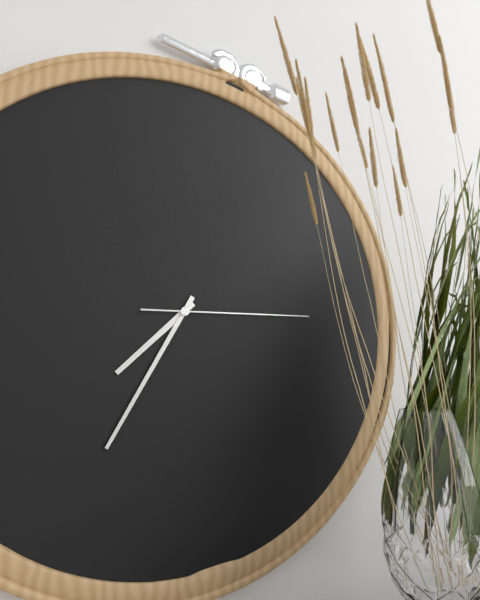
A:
**7:35:15**
